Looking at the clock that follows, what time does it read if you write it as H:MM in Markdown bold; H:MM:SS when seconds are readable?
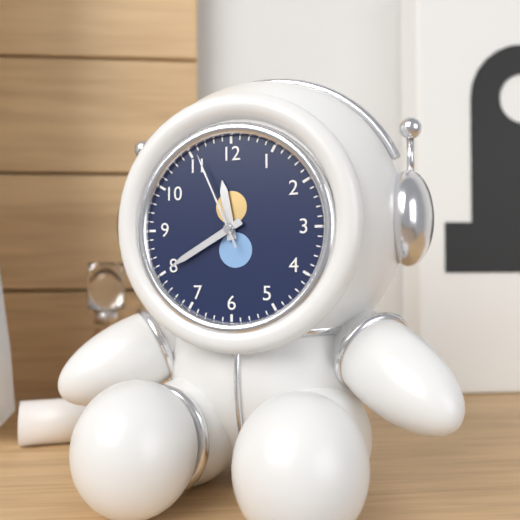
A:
**11:40:56**
